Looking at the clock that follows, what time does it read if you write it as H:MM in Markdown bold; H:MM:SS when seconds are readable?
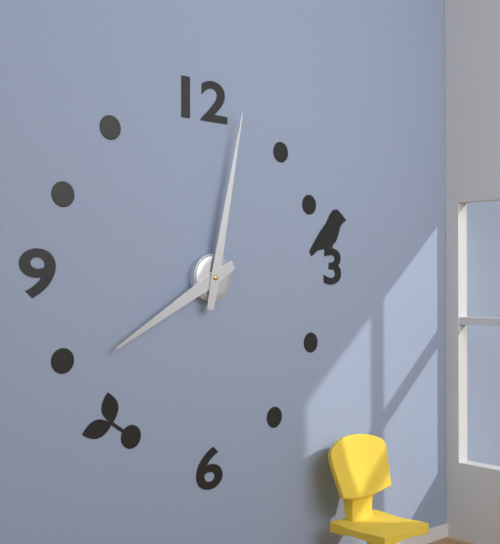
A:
**8:02**
